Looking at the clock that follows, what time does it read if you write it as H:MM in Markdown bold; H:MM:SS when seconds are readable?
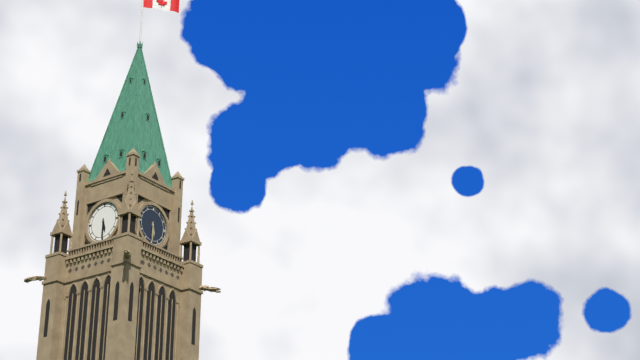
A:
**5:30**
